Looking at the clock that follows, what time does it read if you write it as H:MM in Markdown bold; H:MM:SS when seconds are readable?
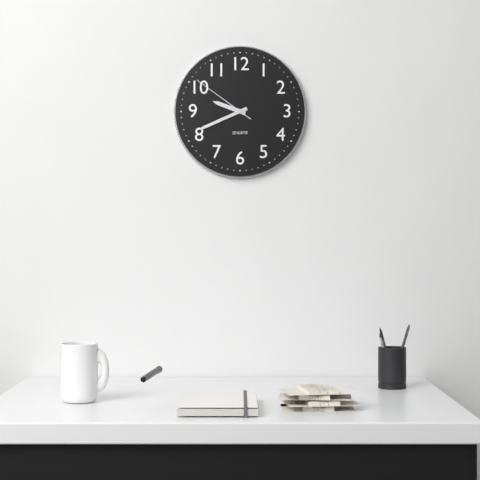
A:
**9:41:51**
